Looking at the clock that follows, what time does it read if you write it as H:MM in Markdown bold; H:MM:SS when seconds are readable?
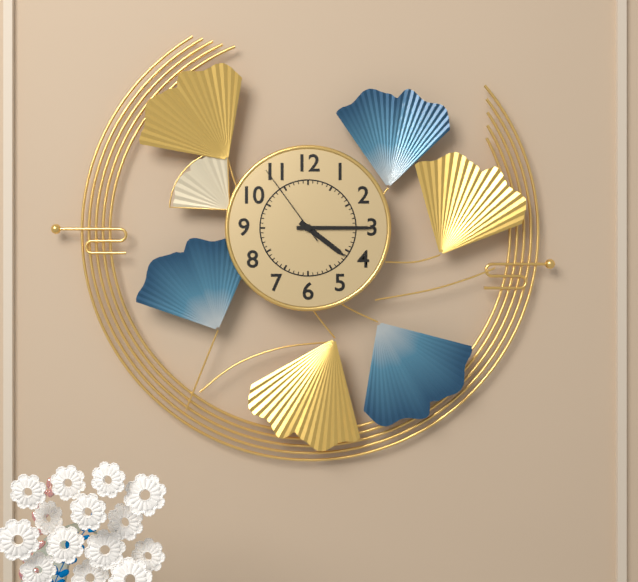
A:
**4:15:54**
